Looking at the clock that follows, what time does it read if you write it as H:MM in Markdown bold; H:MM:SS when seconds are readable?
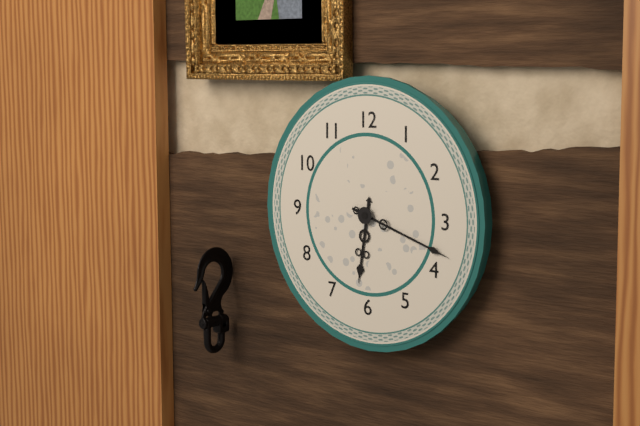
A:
**6:18**
